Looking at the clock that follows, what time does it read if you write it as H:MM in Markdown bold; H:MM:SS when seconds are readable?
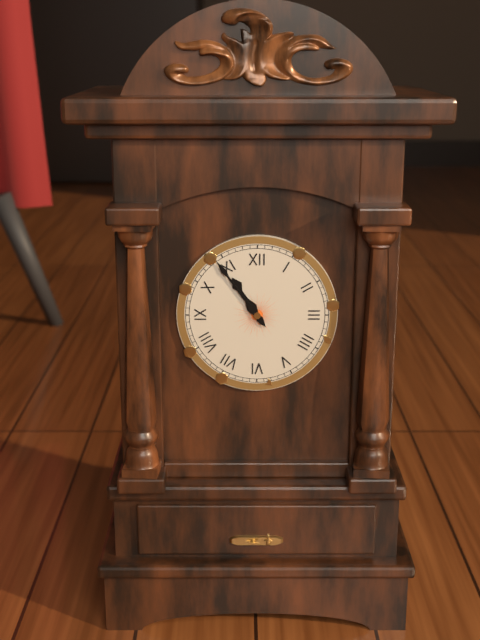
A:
**10:54**
